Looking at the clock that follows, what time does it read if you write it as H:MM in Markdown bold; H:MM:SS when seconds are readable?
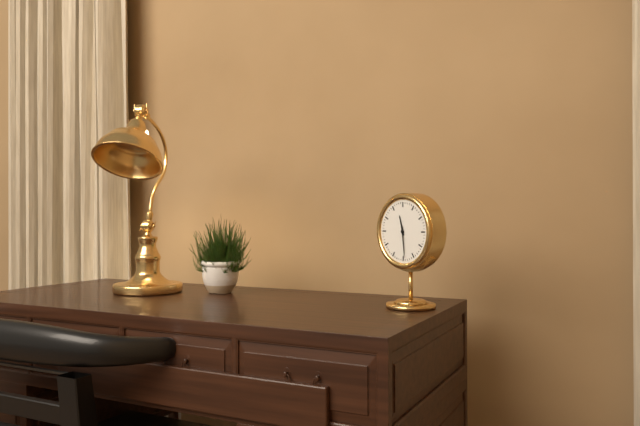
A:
**11:29**
